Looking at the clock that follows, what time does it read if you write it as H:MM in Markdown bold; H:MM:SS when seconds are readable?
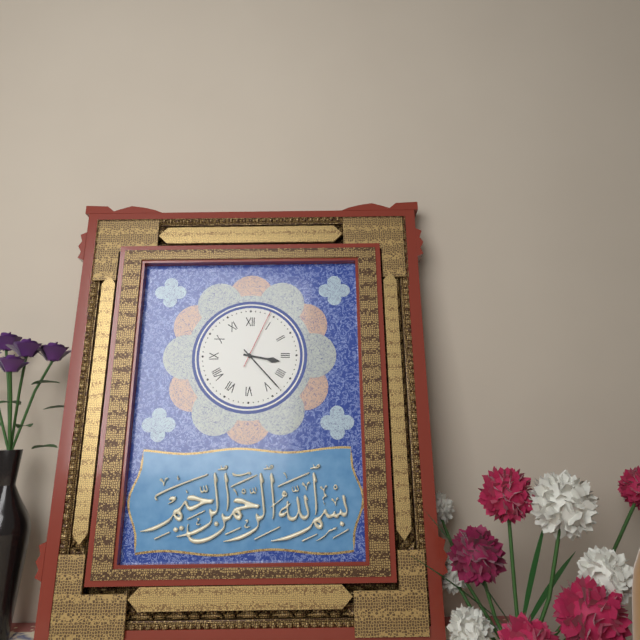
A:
**3:23:04**
